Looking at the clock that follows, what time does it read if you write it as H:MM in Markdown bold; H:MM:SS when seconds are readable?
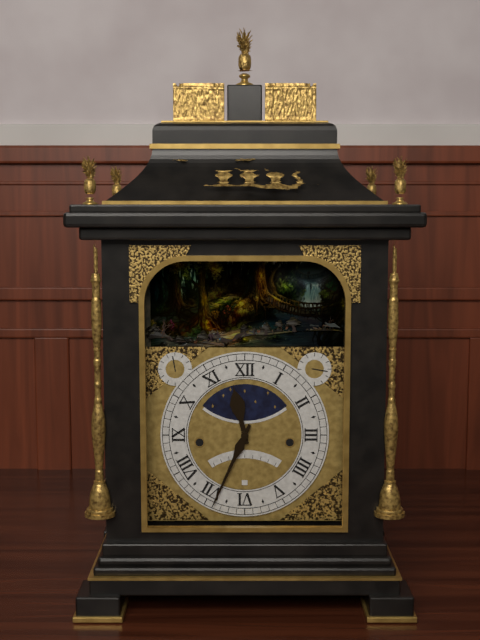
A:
**11:34**
